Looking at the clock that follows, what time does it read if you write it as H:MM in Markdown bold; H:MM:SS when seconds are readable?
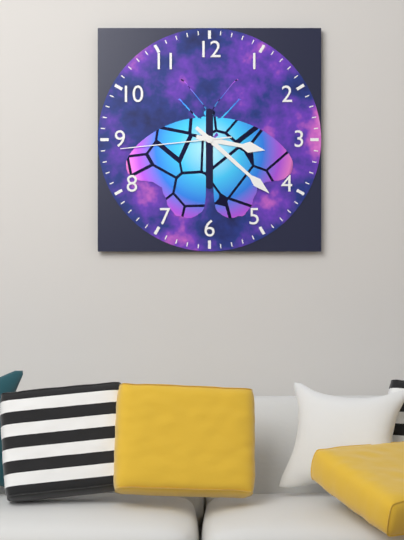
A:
**3:22:44**
